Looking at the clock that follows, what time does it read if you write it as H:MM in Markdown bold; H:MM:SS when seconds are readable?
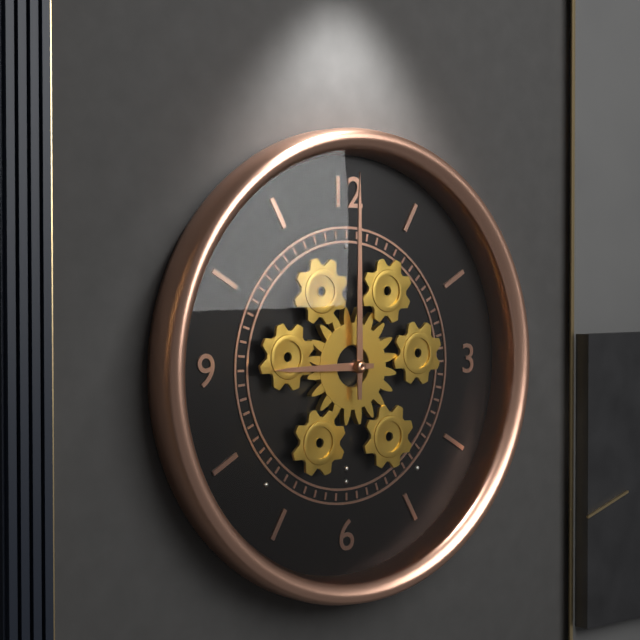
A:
**9:00**
